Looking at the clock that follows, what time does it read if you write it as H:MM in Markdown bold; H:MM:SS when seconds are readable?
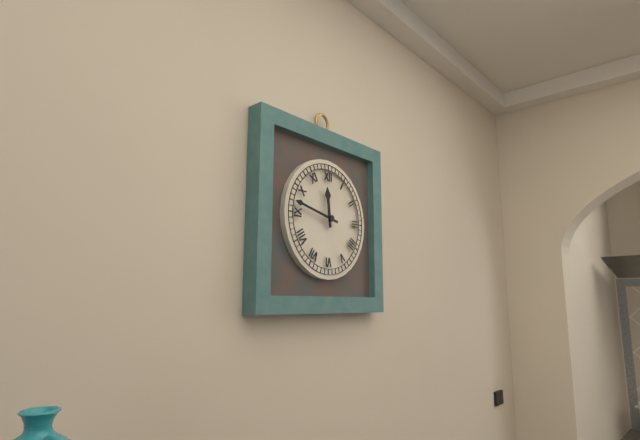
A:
**11:47**
